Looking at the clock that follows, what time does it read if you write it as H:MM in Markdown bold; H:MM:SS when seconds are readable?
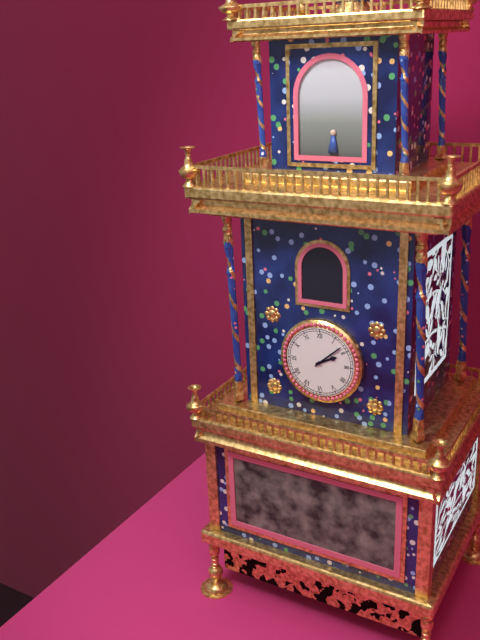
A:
**2:08**
